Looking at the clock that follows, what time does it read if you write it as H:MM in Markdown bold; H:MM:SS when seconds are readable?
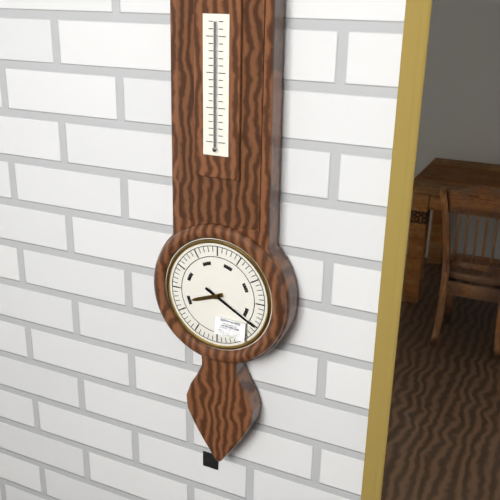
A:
**8:20**
